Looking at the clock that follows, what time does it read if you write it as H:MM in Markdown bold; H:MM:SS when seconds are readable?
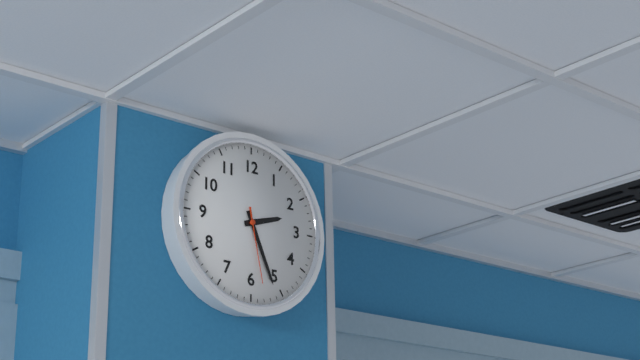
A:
**2:26:28**
